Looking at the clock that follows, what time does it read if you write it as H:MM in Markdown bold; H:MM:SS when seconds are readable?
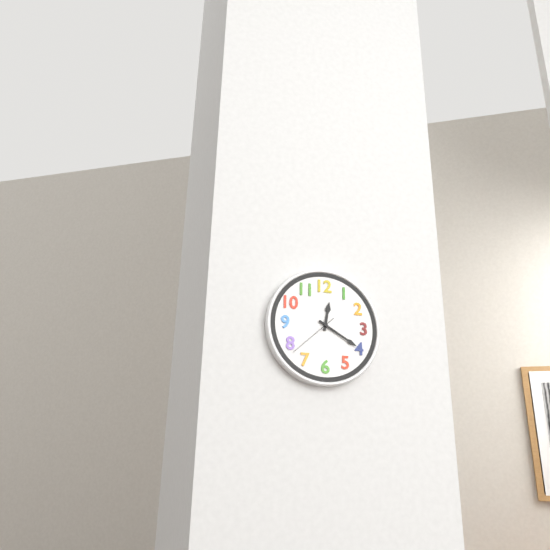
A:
**12:20:38**
